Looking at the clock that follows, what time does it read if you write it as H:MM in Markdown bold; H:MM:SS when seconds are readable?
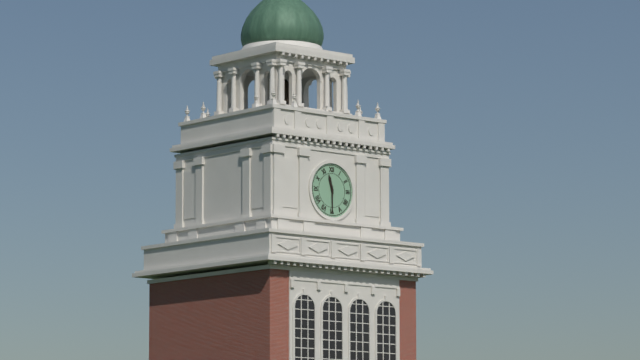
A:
**11:30**
